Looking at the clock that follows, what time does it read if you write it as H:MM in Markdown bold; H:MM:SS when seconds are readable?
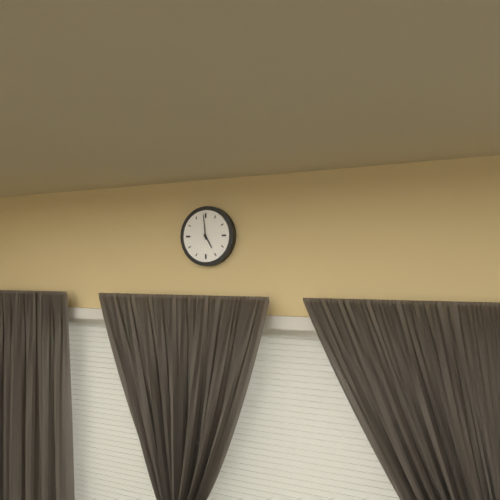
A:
**4:59**
